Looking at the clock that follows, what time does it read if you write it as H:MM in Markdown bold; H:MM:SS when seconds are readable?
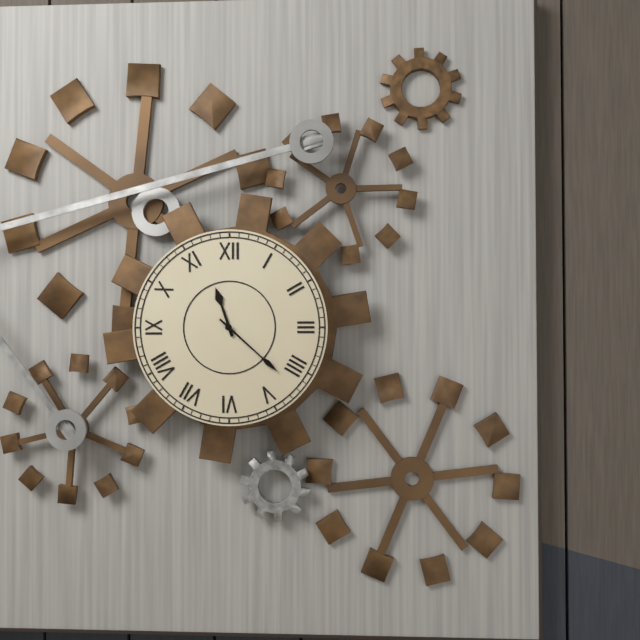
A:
**11:22**
